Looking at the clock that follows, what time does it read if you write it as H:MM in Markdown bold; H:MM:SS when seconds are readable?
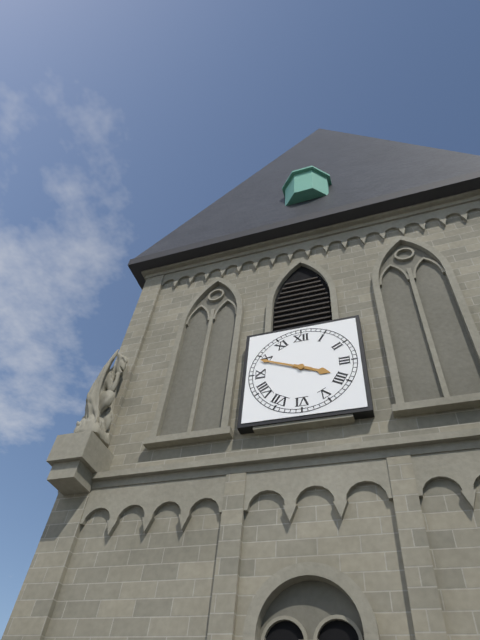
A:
**3:49**
